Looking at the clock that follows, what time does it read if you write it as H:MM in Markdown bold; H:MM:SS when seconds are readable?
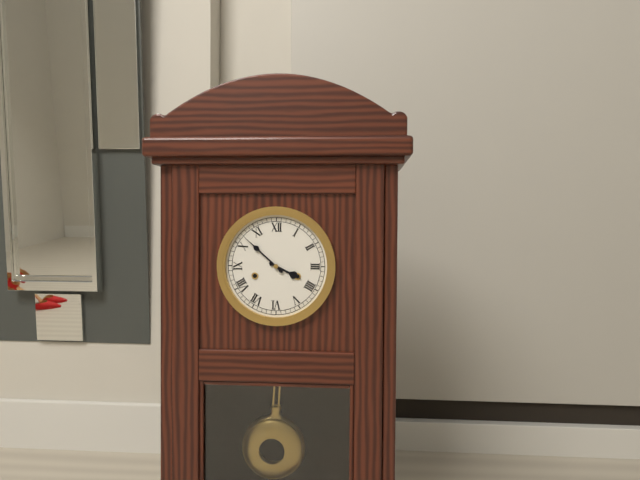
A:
**3:52**
